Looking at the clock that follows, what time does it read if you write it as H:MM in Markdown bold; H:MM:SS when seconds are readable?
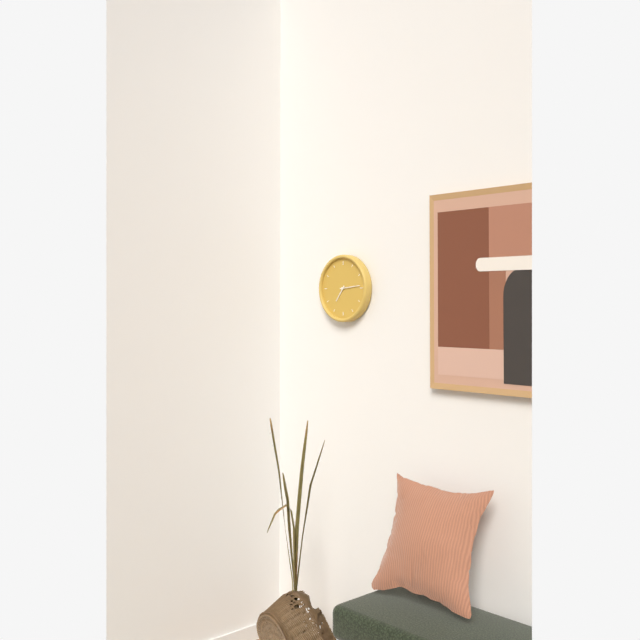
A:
**7:14**
